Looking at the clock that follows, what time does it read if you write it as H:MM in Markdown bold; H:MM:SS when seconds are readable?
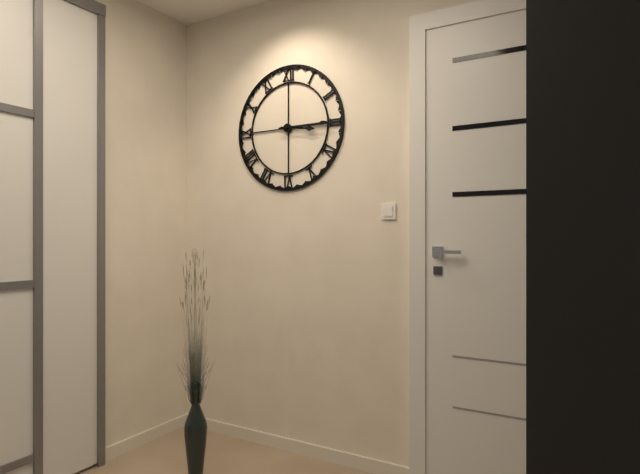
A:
**3:15**
